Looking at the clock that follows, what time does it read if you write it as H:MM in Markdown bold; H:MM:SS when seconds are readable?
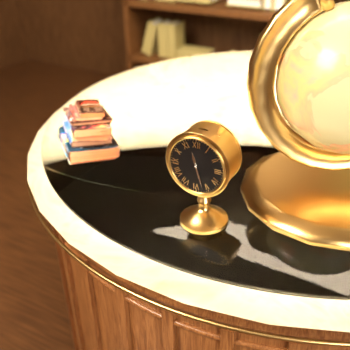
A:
**11:27**
